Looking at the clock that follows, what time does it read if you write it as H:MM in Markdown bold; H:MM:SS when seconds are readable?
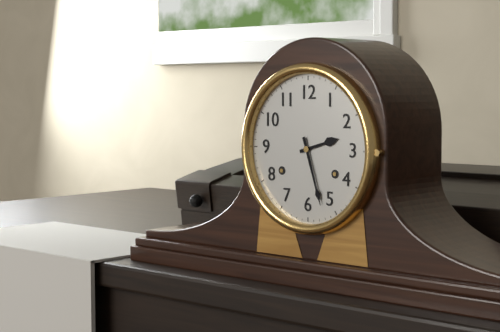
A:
**2:27**
